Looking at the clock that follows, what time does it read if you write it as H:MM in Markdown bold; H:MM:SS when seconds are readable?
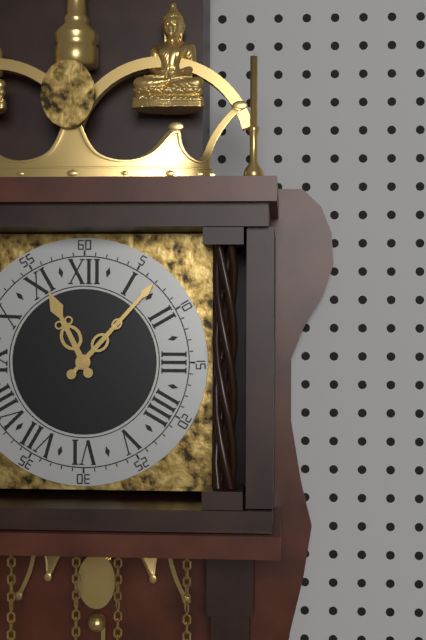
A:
**11:07**
